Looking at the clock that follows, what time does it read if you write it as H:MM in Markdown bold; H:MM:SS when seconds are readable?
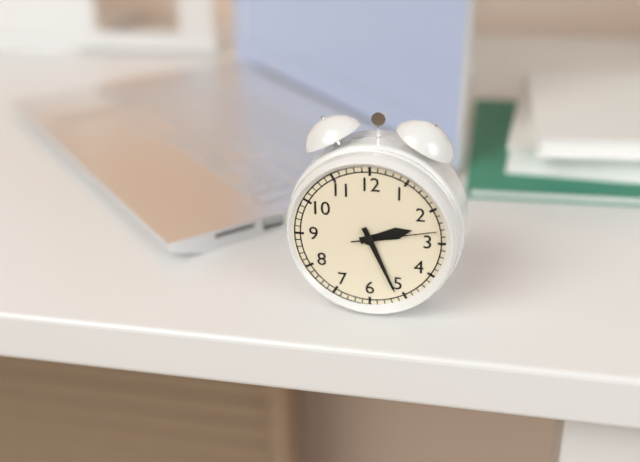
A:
**2:26:13**
